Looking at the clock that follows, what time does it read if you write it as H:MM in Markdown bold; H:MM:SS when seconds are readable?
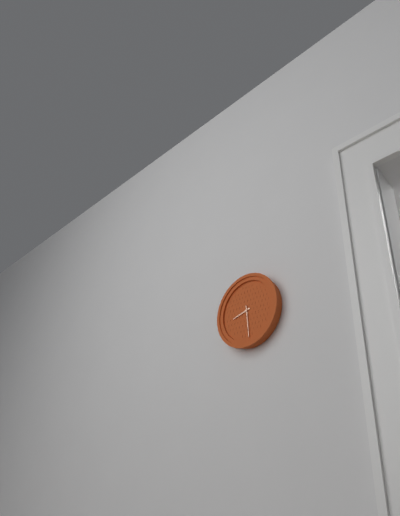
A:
**8:29**
